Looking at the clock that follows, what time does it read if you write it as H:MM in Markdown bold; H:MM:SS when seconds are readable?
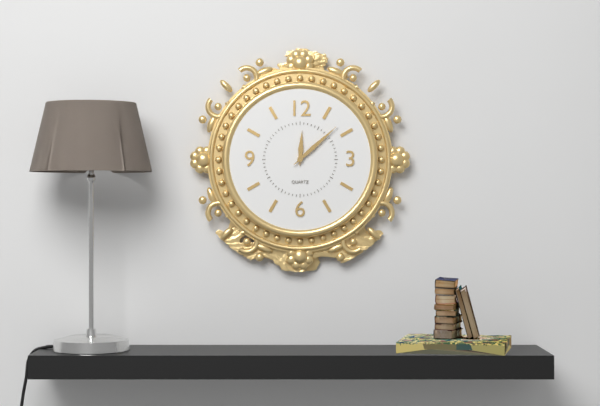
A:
**12:08**
